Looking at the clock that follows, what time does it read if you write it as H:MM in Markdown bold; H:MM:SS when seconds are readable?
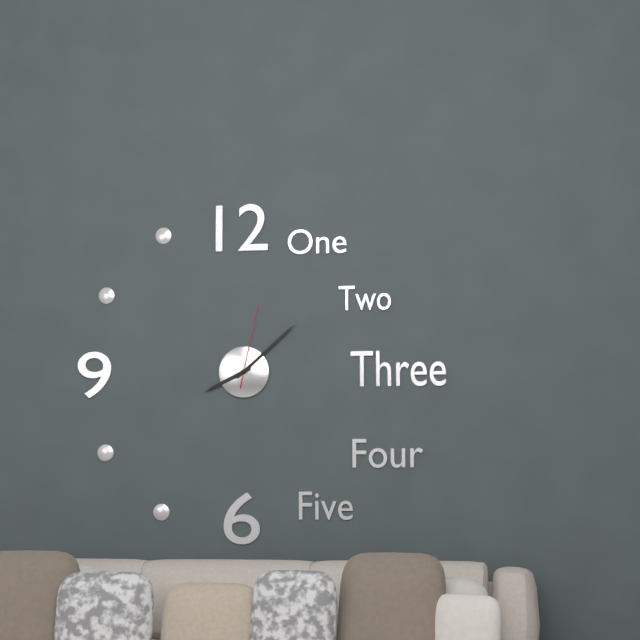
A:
**8:08:02**
